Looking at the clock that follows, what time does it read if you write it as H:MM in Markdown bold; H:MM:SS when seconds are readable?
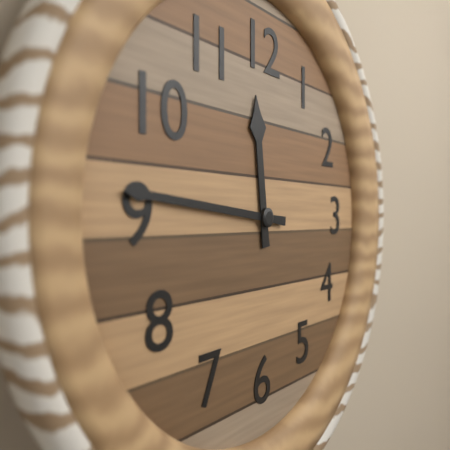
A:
**11:46**
